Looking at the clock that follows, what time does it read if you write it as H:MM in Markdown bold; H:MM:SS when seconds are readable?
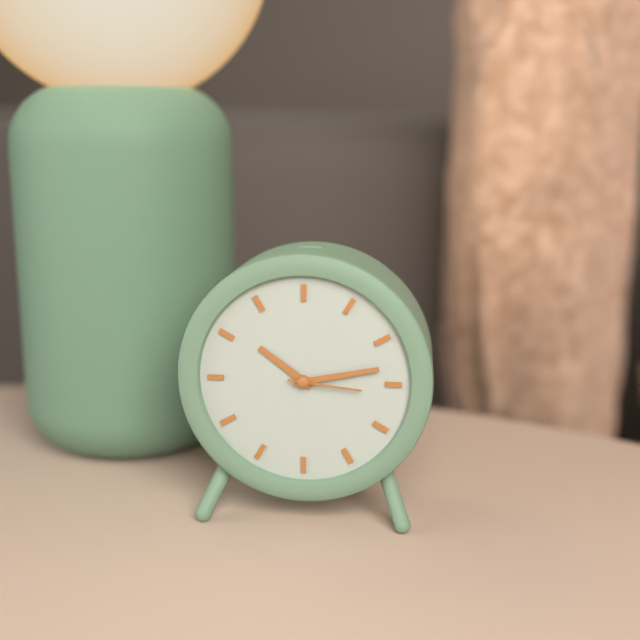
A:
**10:13:16**
